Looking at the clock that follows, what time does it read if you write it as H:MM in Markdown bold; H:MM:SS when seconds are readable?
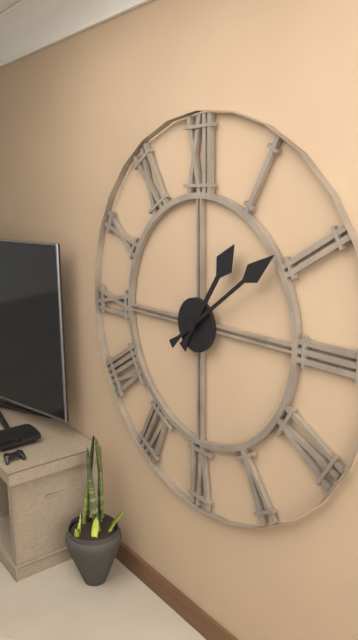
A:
**1:09**
